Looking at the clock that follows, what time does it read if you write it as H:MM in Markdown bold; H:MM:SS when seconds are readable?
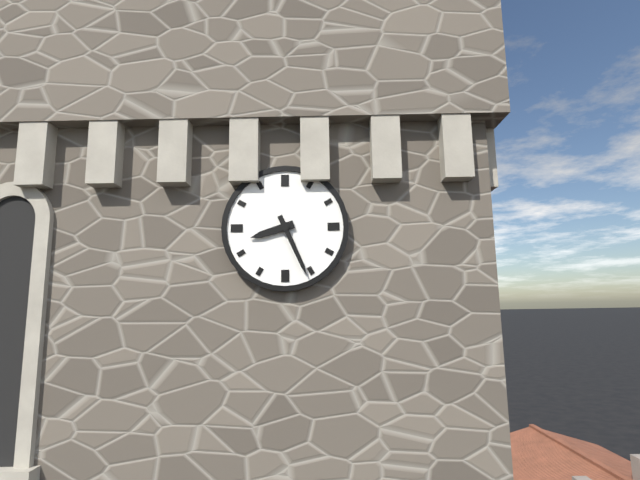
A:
**8:26**
